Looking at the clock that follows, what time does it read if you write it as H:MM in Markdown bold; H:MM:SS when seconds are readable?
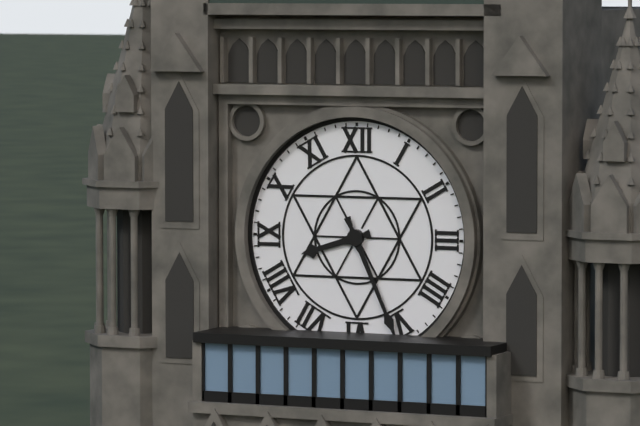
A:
**8:26**
